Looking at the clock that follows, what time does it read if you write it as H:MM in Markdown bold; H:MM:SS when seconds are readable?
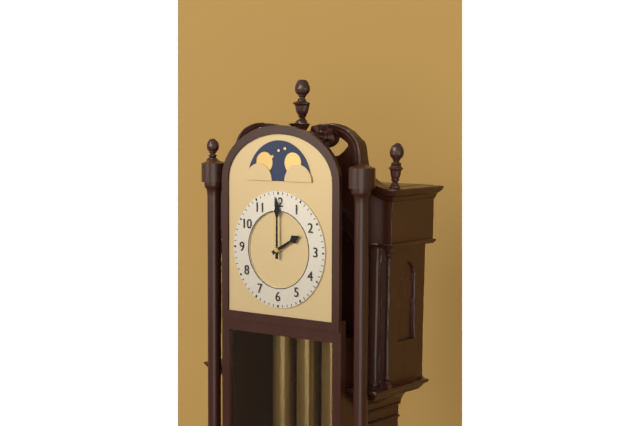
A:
**2:00**
